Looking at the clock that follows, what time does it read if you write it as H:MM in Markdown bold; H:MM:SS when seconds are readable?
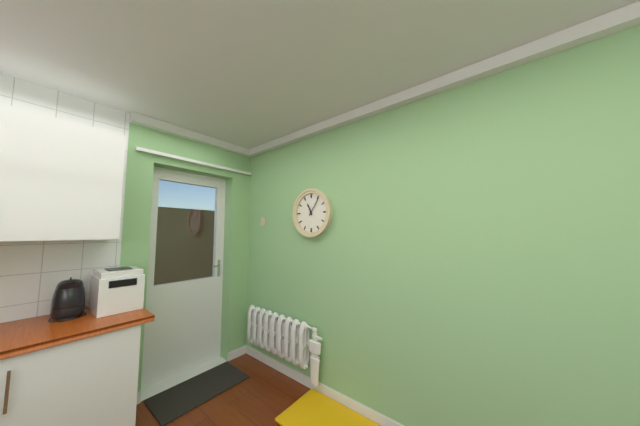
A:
**11:06**
